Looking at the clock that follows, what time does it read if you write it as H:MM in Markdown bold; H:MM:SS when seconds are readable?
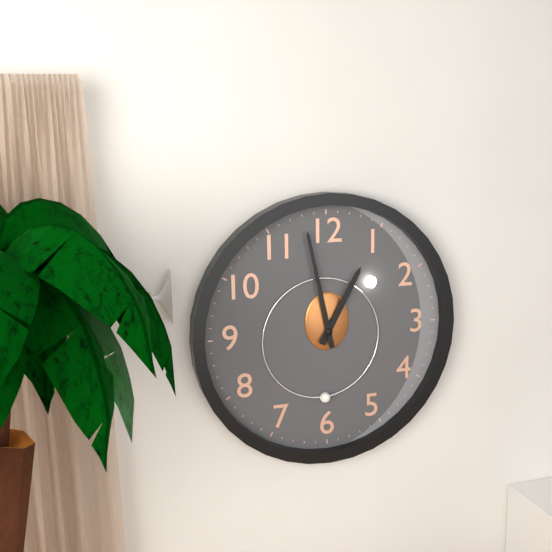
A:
**12:58**
